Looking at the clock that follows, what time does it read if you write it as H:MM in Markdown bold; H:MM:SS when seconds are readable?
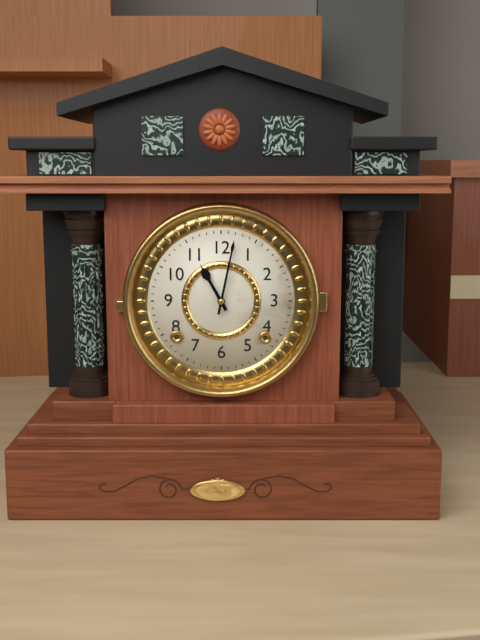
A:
**11:02**
